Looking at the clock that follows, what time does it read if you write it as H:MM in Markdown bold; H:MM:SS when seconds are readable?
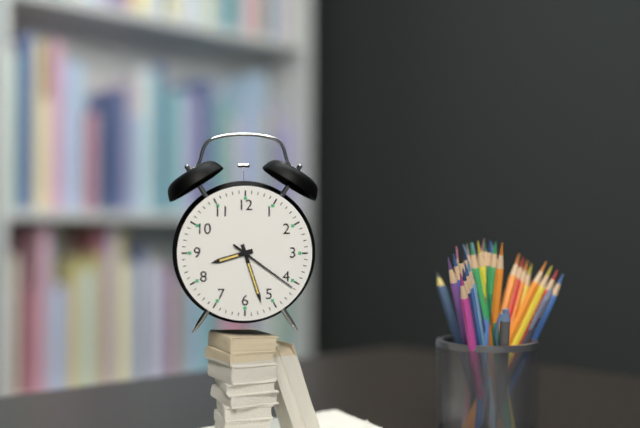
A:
**8:27:21**
